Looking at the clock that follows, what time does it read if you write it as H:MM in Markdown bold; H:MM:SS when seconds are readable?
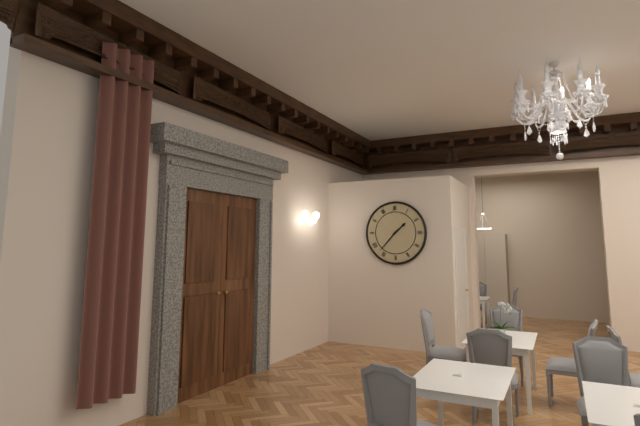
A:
**1:37**
